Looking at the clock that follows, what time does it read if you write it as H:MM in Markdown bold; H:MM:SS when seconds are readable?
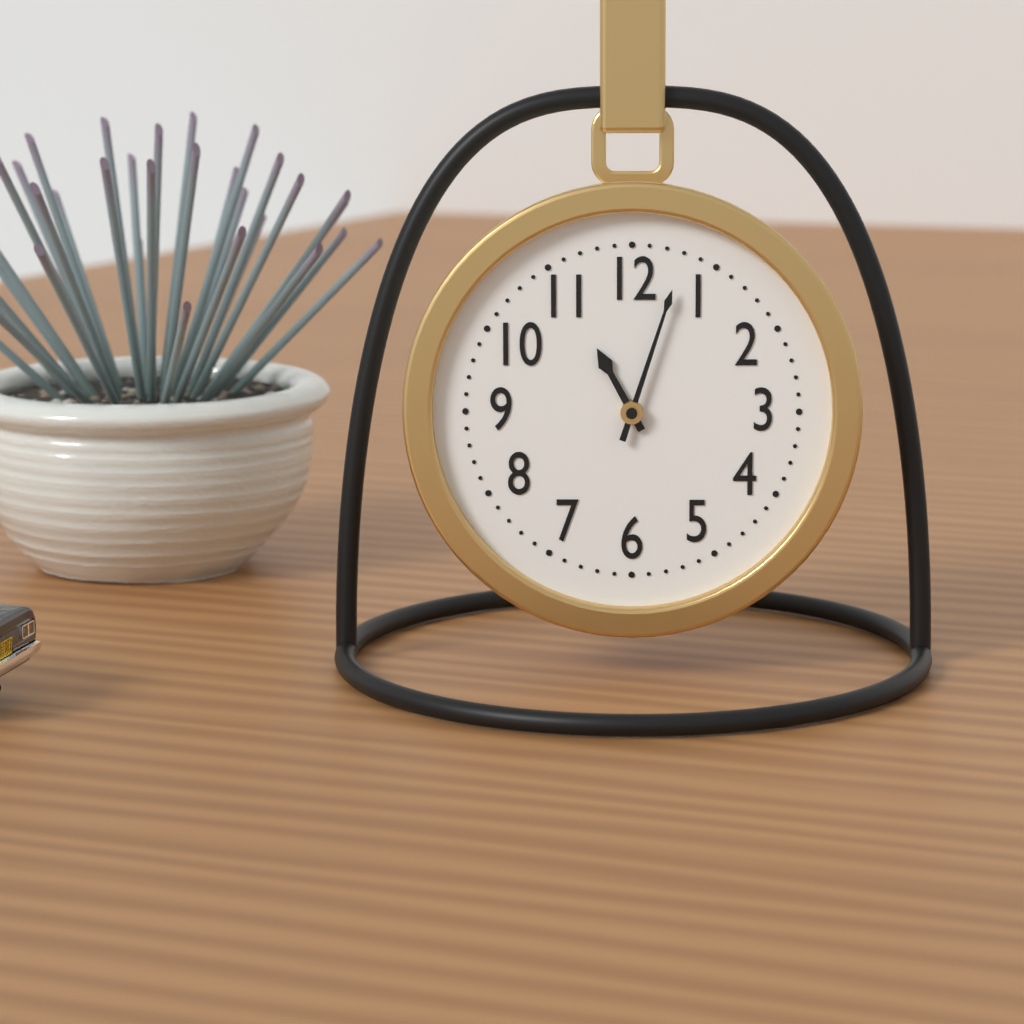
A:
**11:03**
